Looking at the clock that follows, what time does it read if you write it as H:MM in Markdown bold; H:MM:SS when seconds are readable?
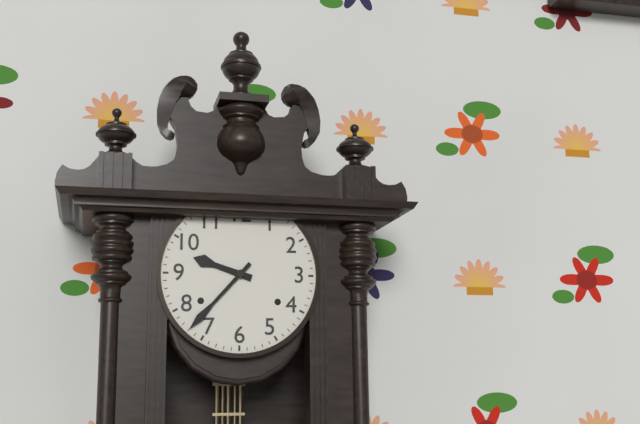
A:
**9:37**
